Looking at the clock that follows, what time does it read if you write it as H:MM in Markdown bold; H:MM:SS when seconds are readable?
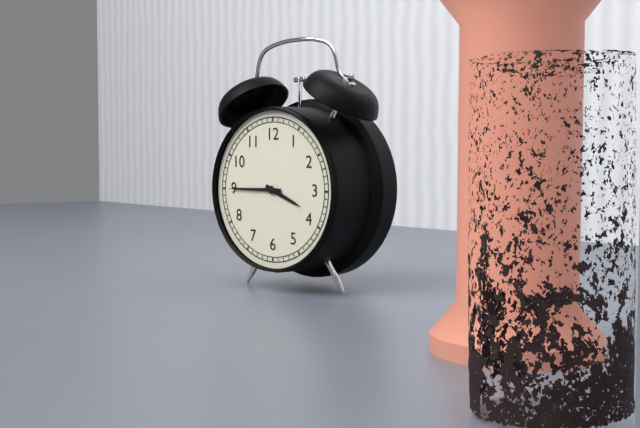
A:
**3:45**
